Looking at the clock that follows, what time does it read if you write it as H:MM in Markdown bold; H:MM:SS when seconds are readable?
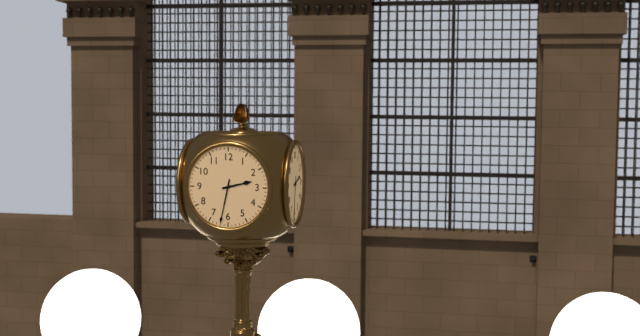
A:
**2:32**
